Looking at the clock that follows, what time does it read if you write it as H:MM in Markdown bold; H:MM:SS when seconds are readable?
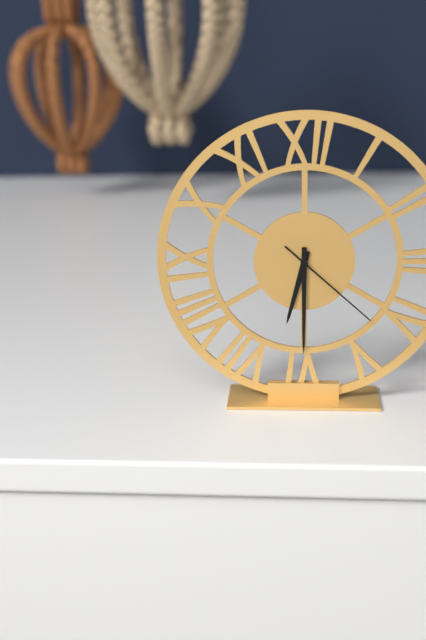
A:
**6:30:22**
